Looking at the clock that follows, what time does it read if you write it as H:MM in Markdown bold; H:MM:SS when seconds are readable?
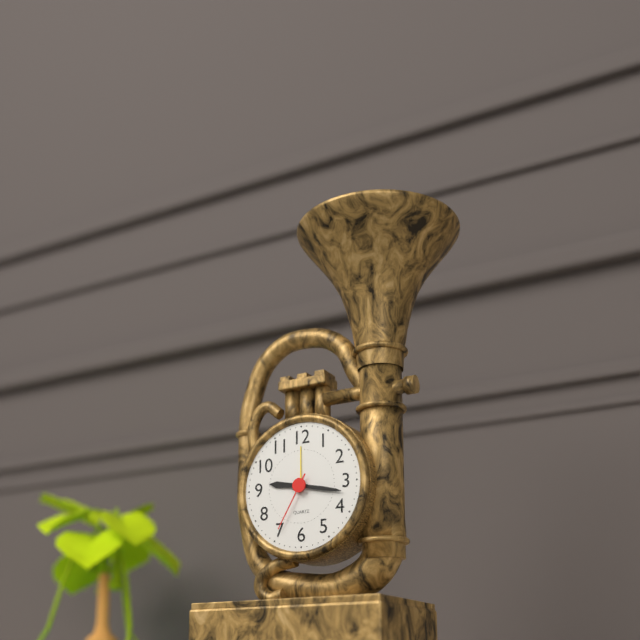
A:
**9:17:35**
